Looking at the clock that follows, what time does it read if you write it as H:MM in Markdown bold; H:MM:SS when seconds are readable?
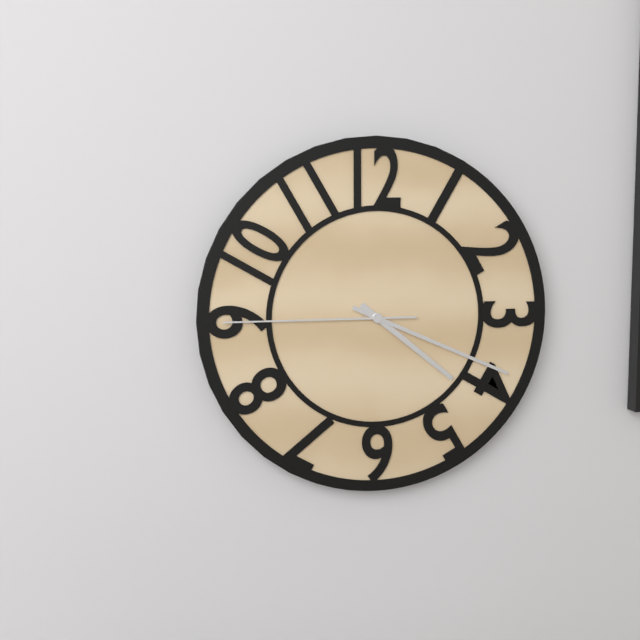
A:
**4:19:45**
